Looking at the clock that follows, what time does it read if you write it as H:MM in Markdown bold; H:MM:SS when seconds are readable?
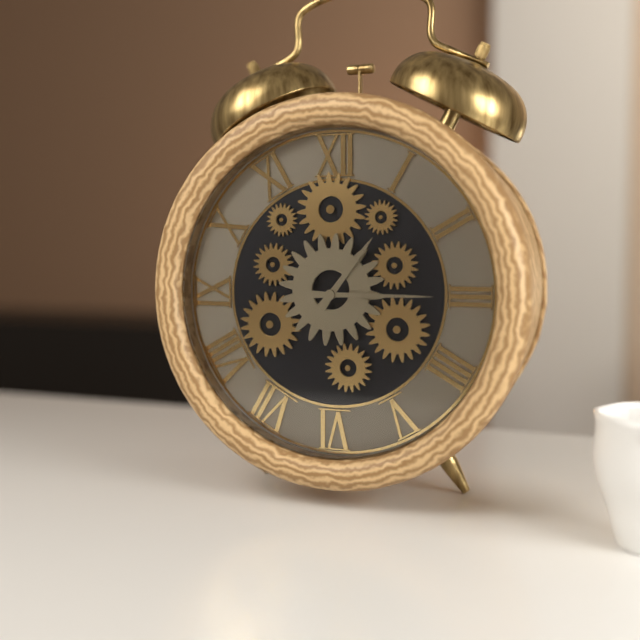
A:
**1:15**
